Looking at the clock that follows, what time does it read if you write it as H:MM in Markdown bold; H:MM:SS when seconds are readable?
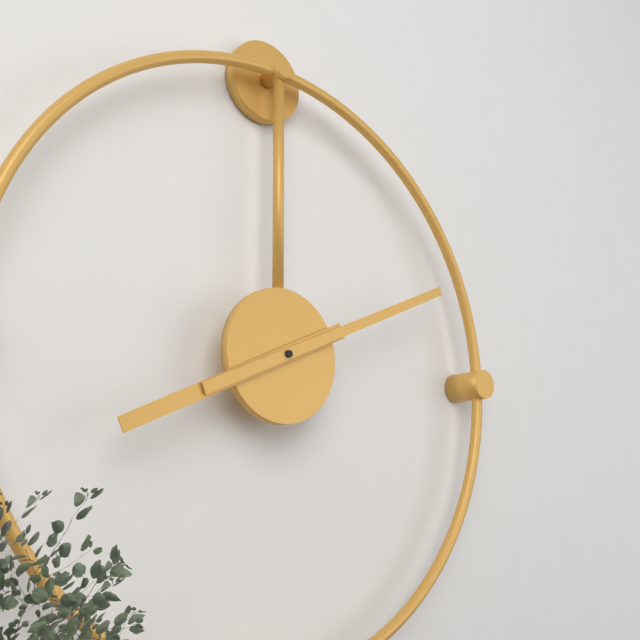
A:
**8:11**
